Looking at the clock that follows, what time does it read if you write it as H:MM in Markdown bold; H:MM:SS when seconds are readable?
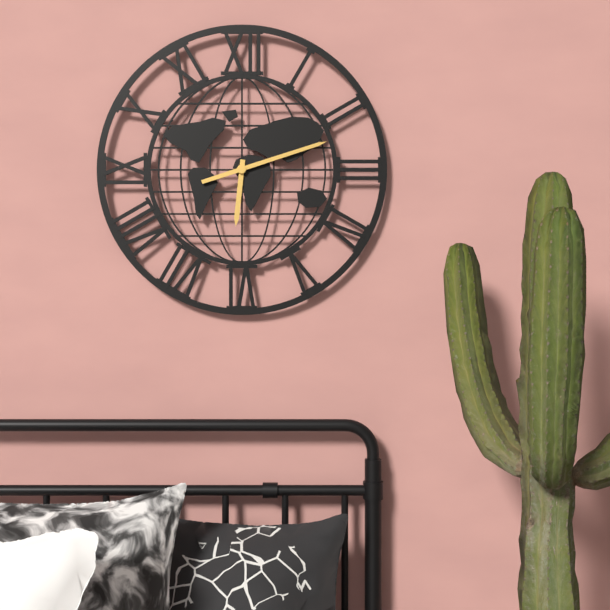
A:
**6:12**
